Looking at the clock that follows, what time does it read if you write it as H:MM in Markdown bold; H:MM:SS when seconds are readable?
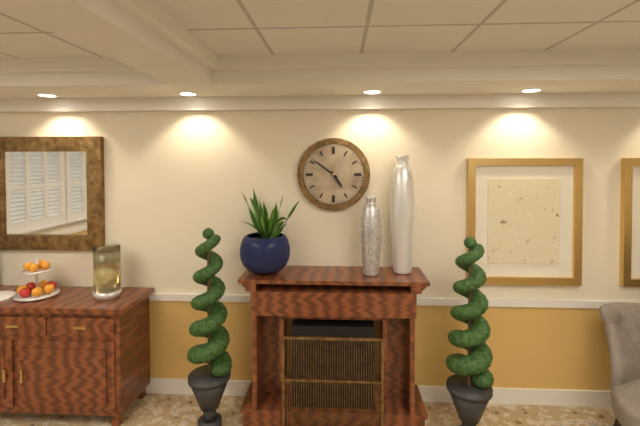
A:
**4:51**
